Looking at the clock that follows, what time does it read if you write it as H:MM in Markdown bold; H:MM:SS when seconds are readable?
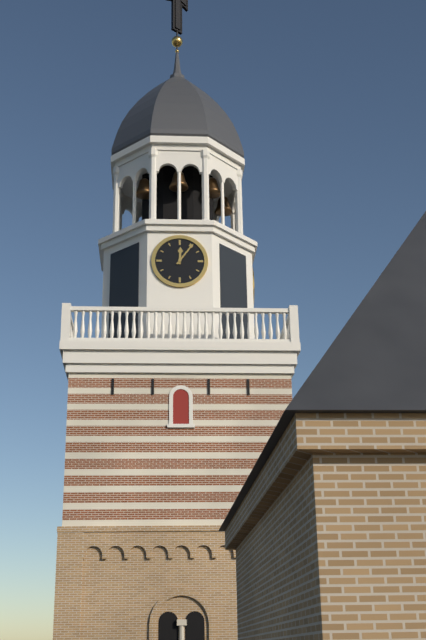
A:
**12:06**
